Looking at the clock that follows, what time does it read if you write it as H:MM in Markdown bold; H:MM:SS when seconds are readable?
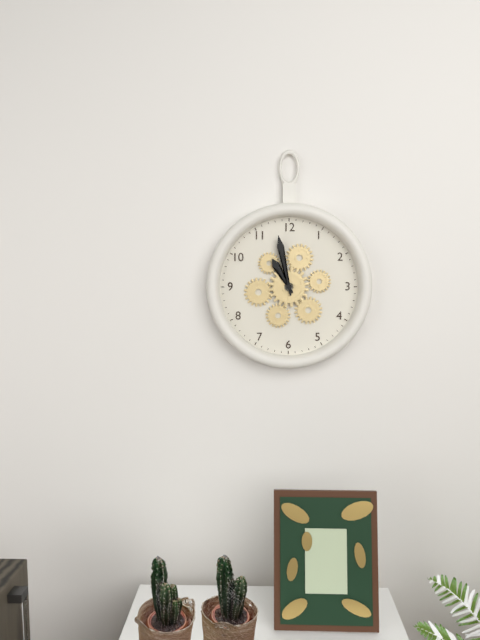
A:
**10:58**
